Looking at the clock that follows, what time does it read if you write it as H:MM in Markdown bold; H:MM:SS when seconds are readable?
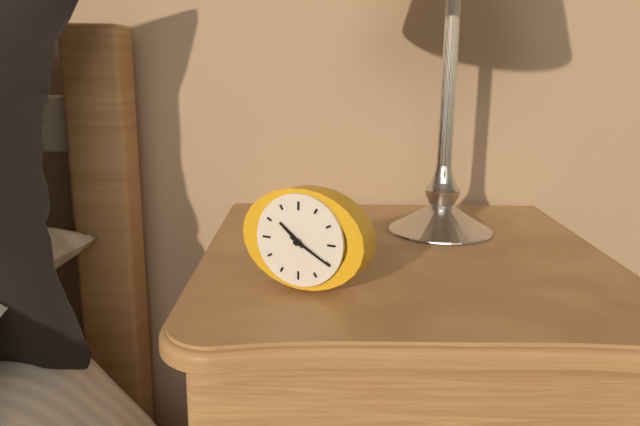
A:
**10:20**
